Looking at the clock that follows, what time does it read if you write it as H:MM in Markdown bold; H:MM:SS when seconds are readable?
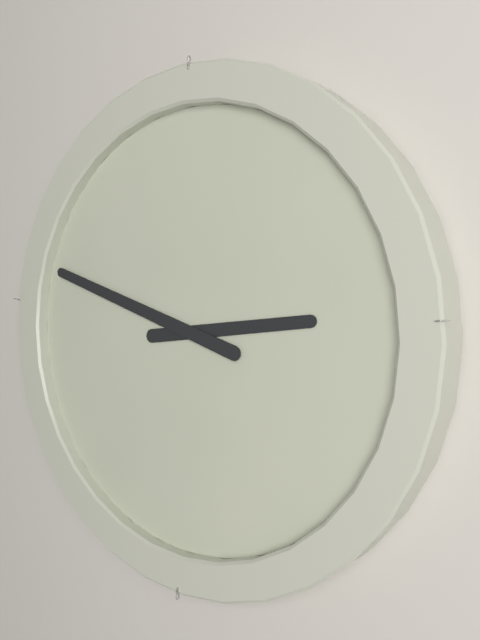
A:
**2:48**
